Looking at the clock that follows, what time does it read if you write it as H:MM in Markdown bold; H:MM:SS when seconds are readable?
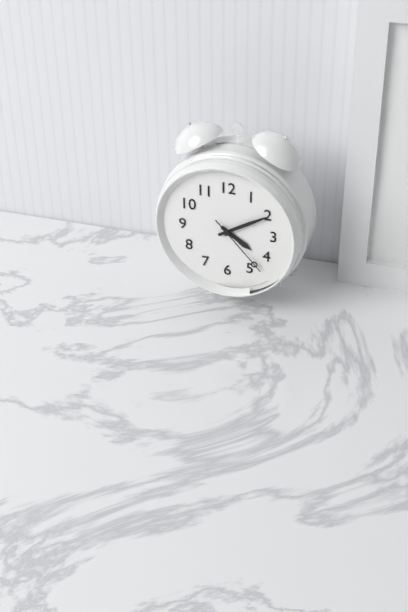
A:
**4:10:23**
